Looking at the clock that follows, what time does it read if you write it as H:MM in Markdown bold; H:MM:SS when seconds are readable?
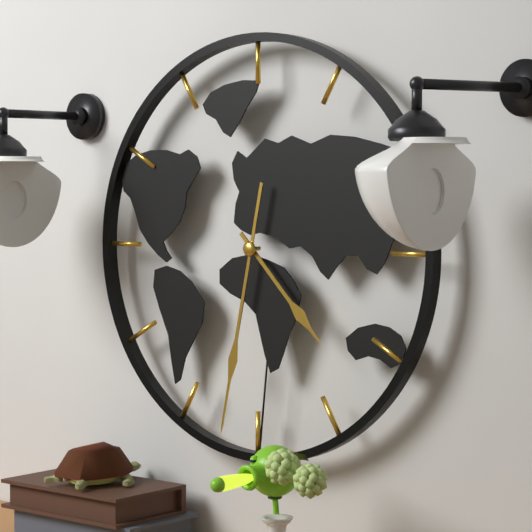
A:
**4:32**
